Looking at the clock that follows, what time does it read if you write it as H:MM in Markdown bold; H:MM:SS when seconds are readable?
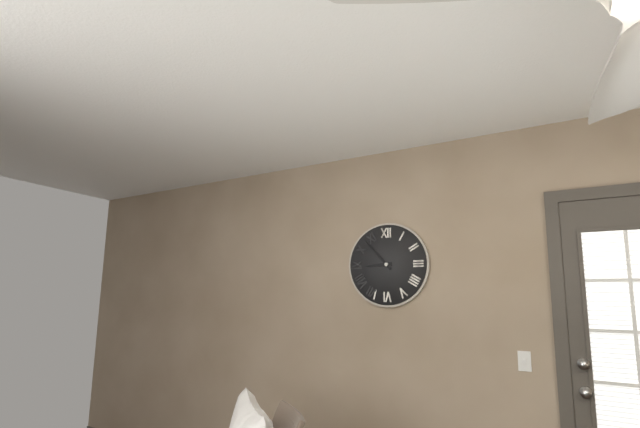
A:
**8:53**
